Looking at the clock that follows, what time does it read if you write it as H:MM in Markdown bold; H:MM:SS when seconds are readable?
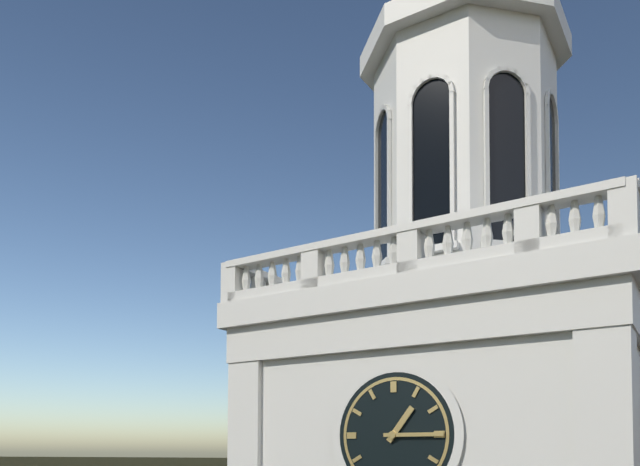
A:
**1:15**
